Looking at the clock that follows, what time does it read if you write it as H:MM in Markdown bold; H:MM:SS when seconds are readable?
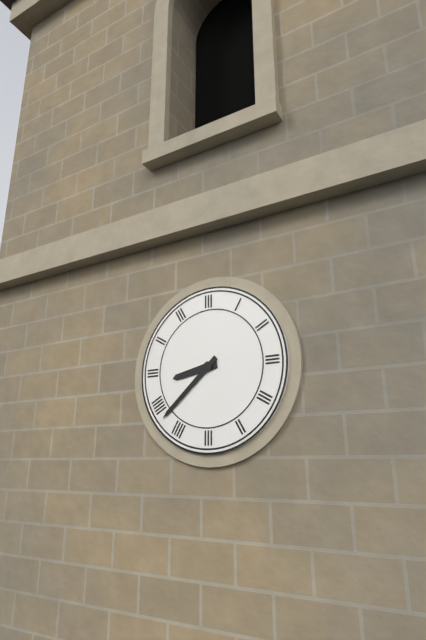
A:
**8:38**
